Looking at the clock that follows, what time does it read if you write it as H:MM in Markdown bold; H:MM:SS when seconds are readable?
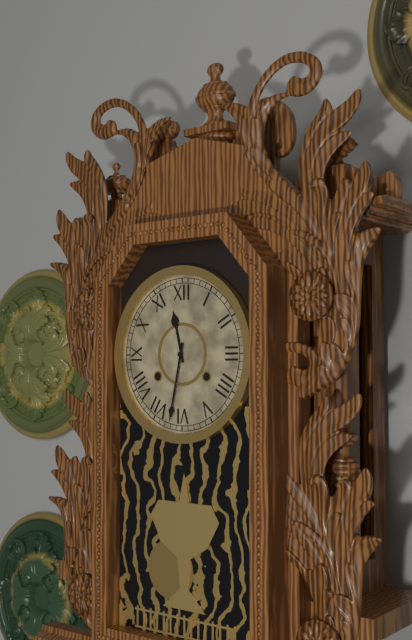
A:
**11:32**
